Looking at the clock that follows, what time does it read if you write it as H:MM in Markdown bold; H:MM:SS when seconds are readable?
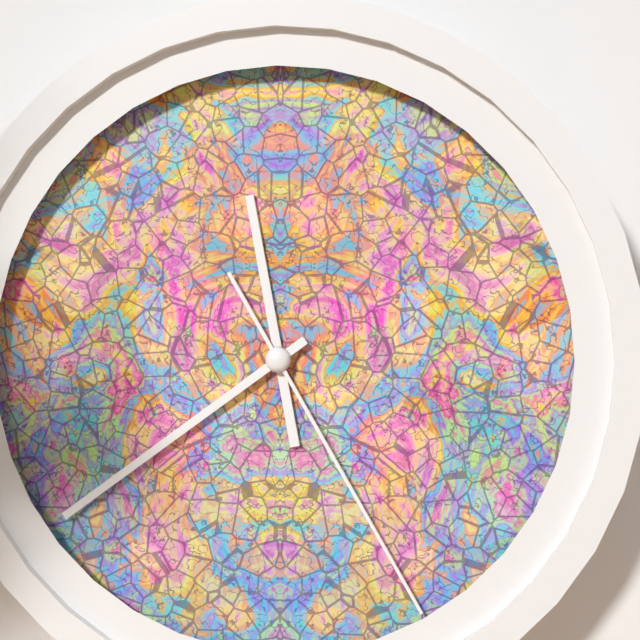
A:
**11:39:25**
